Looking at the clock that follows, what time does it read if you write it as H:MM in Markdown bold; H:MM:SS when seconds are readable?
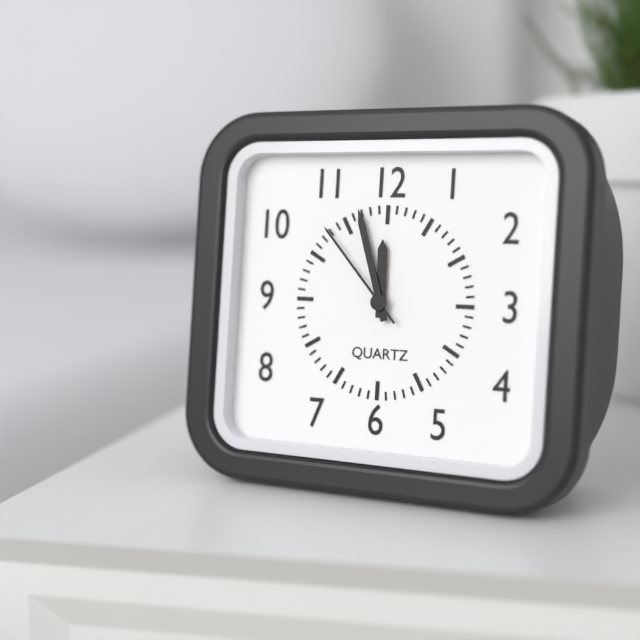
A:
**11:57:53**
